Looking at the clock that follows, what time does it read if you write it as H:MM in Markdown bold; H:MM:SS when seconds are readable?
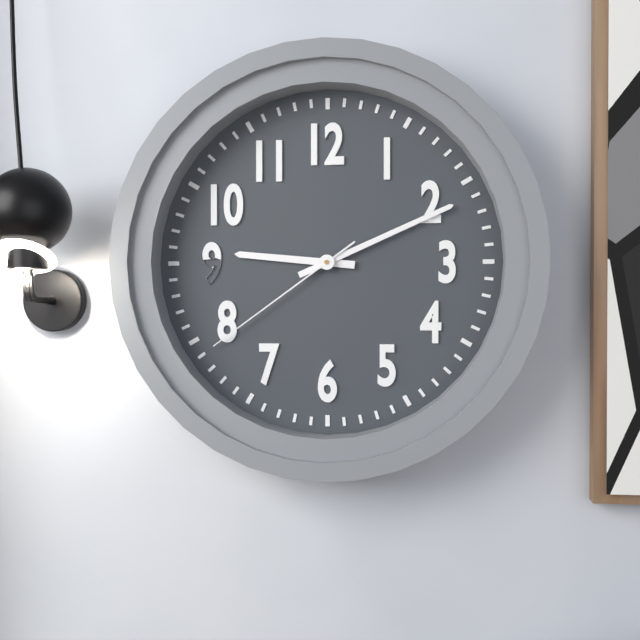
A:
**9:11:39**
